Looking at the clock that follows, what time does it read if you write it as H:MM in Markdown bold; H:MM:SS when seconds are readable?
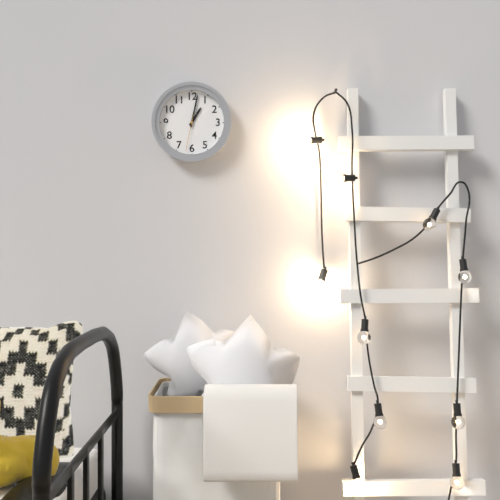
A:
**1:02**
